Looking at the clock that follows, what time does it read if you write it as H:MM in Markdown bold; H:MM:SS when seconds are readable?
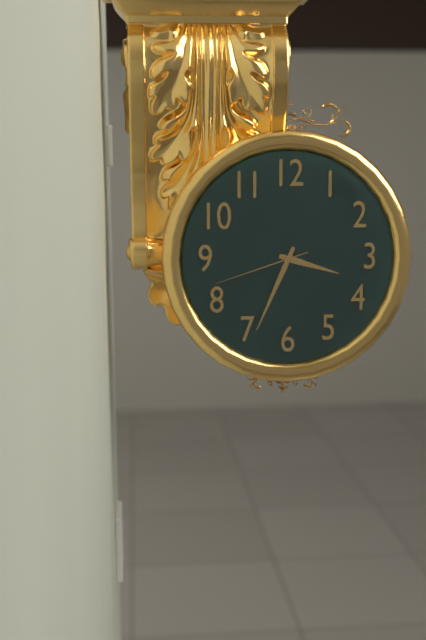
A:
**3:34:42**
